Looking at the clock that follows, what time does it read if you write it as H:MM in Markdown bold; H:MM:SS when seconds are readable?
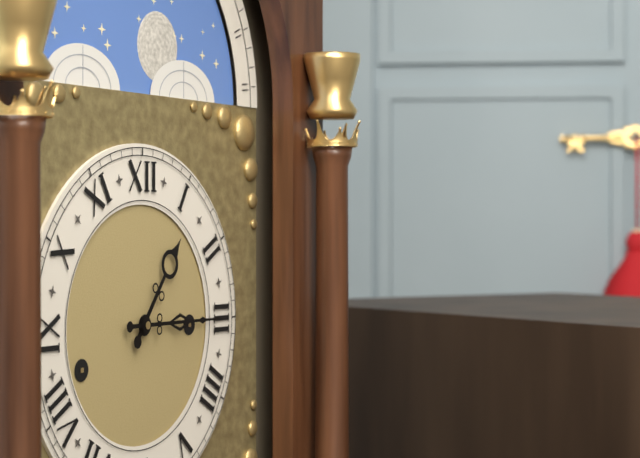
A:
**1:15**
